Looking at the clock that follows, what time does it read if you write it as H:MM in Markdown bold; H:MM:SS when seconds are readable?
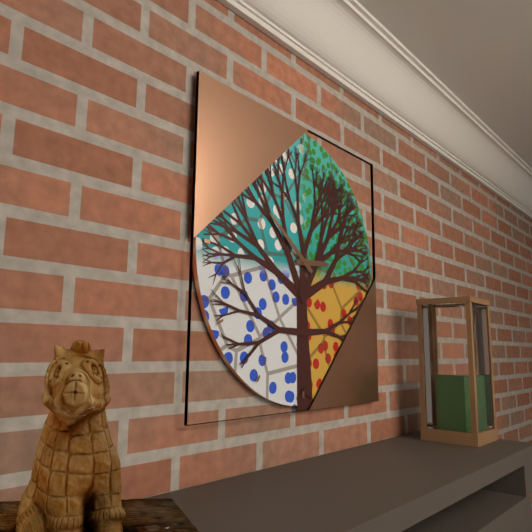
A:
**2:51**
